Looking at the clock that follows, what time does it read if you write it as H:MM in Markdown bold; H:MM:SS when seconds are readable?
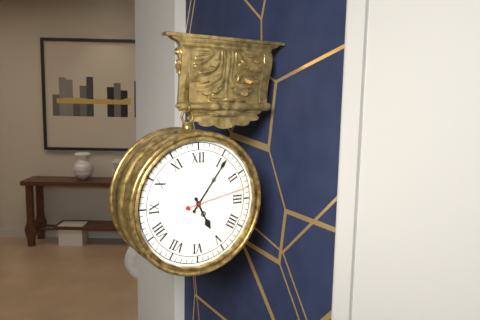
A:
**5:06:13**
